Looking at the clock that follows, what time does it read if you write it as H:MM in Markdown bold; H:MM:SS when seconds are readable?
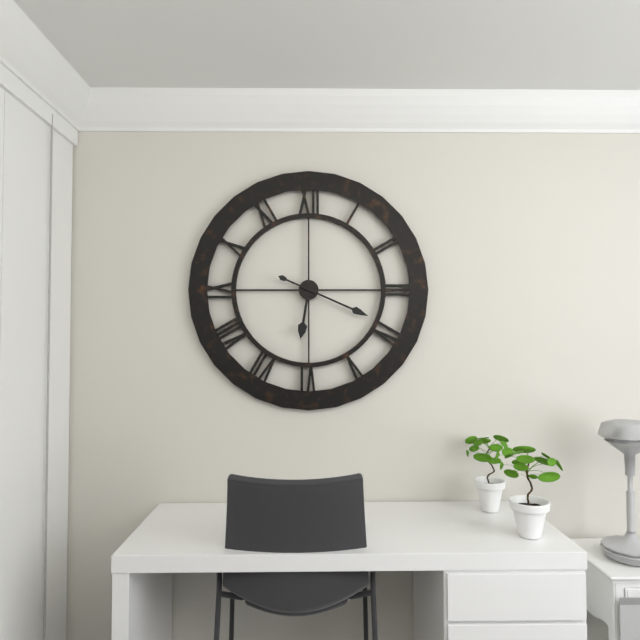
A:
**6:19**
